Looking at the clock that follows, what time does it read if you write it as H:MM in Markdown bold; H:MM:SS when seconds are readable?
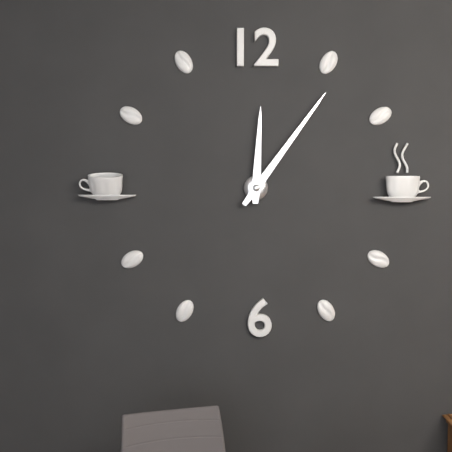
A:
**12:06**
